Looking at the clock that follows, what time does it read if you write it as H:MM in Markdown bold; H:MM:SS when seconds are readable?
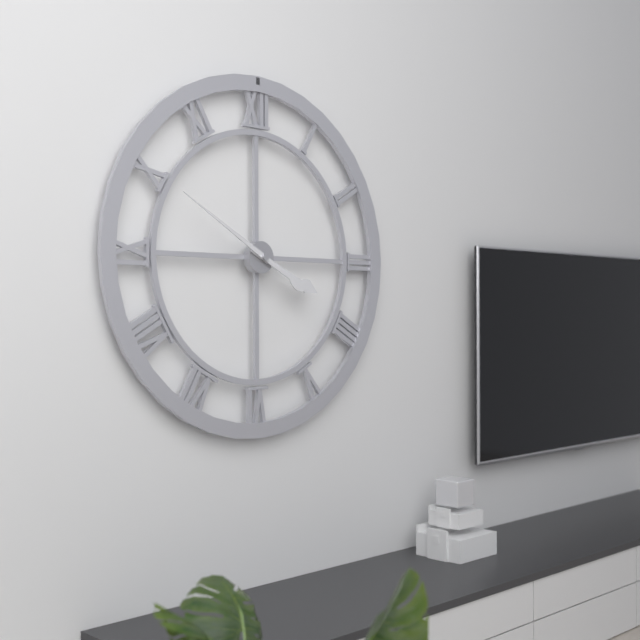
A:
**3:50**
